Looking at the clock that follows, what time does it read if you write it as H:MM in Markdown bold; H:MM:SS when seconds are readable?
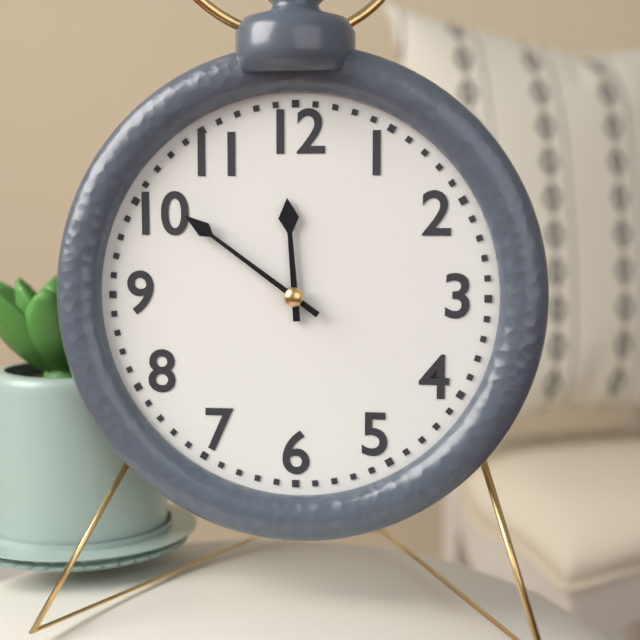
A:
**11:51**
